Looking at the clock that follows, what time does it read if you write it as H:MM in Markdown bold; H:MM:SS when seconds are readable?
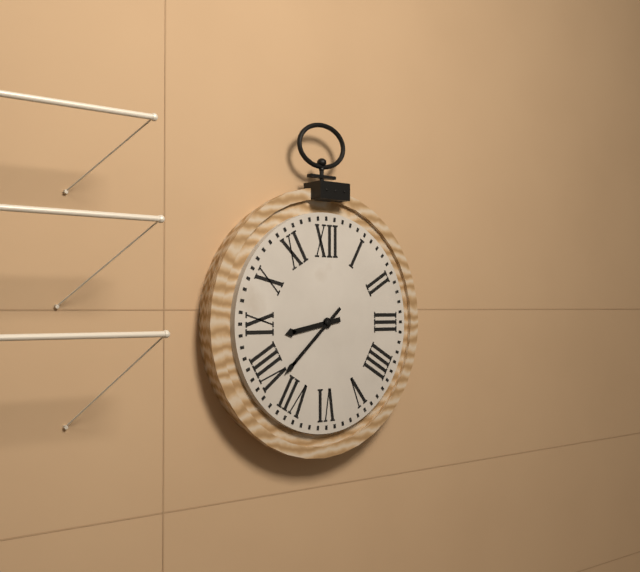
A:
**8:38**
